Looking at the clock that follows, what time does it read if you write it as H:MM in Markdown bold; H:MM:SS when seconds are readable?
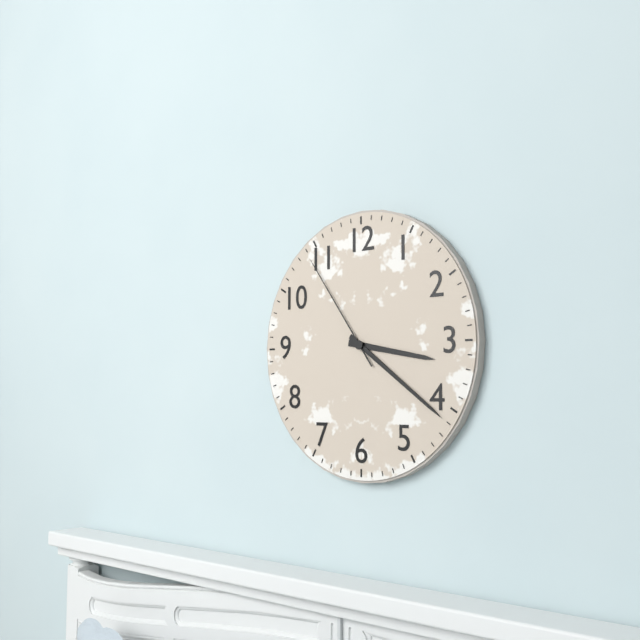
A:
**3:21:54**
